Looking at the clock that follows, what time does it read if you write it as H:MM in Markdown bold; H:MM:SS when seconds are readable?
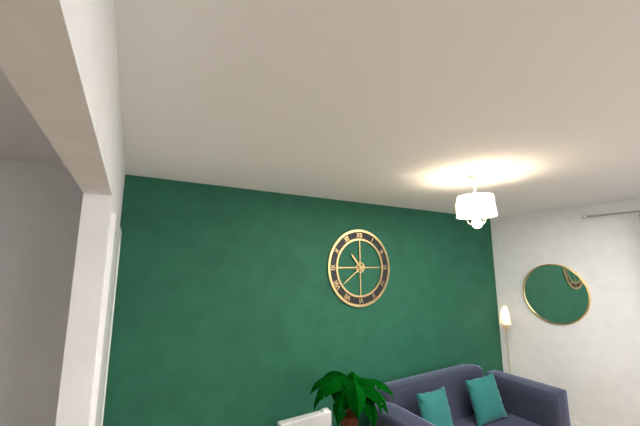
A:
**10:39**
